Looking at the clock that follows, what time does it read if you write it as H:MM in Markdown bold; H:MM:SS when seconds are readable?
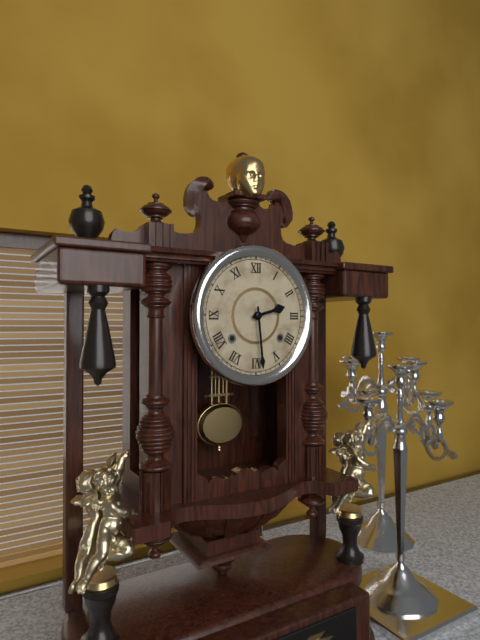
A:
**2:29**
